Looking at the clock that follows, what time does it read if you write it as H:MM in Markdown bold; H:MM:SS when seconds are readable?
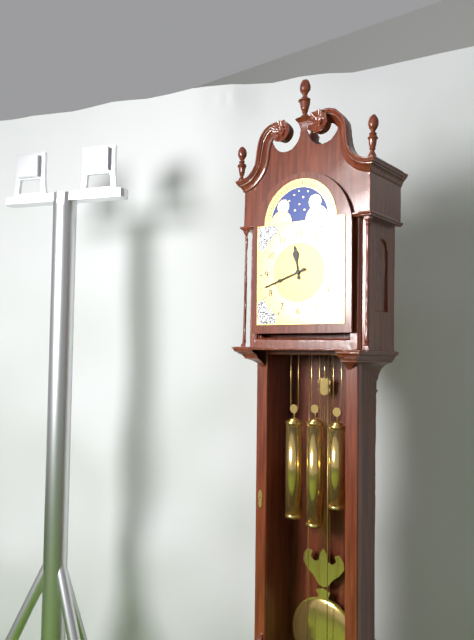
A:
**11:42**
